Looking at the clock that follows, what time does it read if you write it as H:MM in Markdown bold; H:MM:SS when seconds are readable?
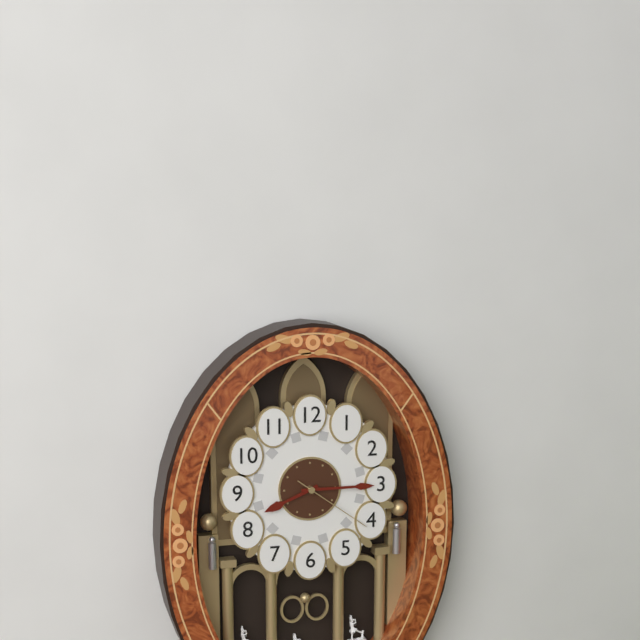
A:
**8:15:21**
